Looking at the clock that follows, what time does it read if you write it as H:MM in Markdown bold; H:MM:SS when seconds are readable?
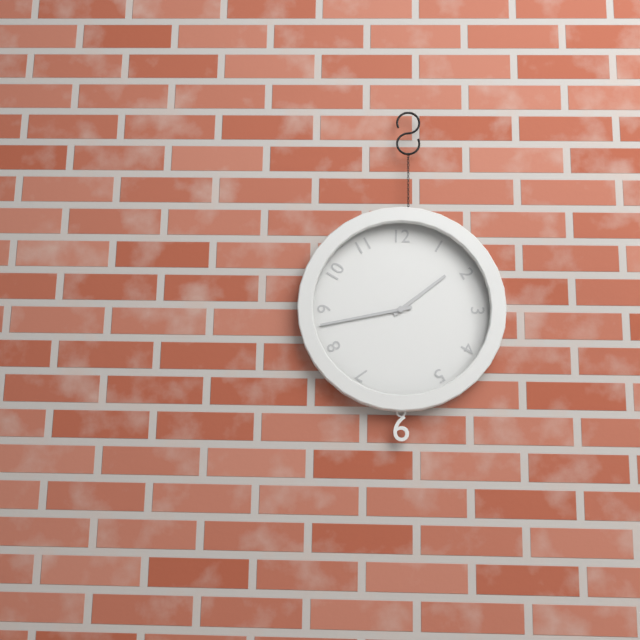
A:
**1:43**
